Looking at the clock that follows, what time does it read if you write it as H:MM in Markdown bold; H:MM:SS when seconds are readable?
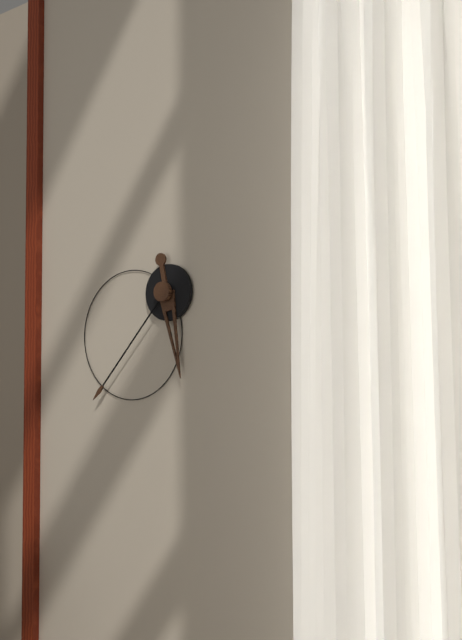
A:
**5:37**
